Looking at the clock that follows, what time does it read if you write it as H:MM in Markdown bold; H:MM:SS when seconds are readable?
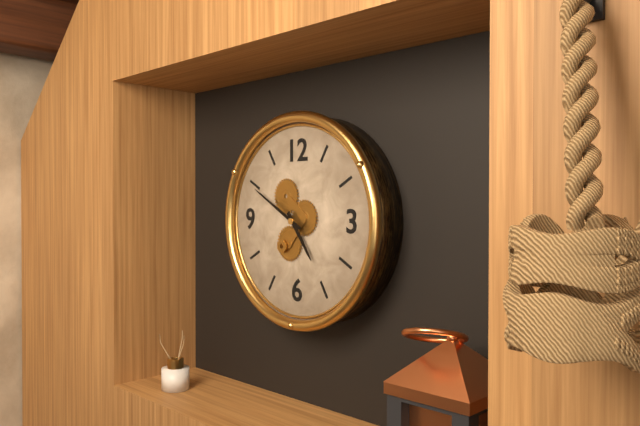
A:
**4:50**
